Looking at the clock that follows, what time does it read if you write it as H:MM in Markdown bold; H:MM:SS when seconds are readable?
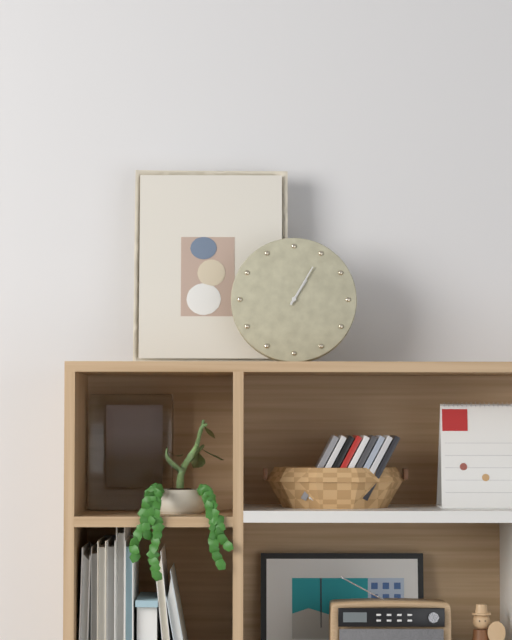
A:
**1:05**
